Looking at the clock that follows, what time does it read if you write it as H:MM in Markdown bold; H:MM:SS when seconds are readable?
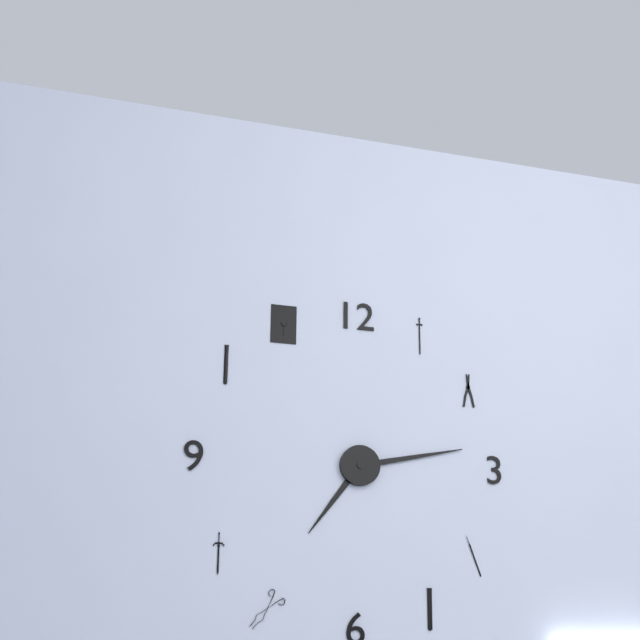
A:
**7:13**
